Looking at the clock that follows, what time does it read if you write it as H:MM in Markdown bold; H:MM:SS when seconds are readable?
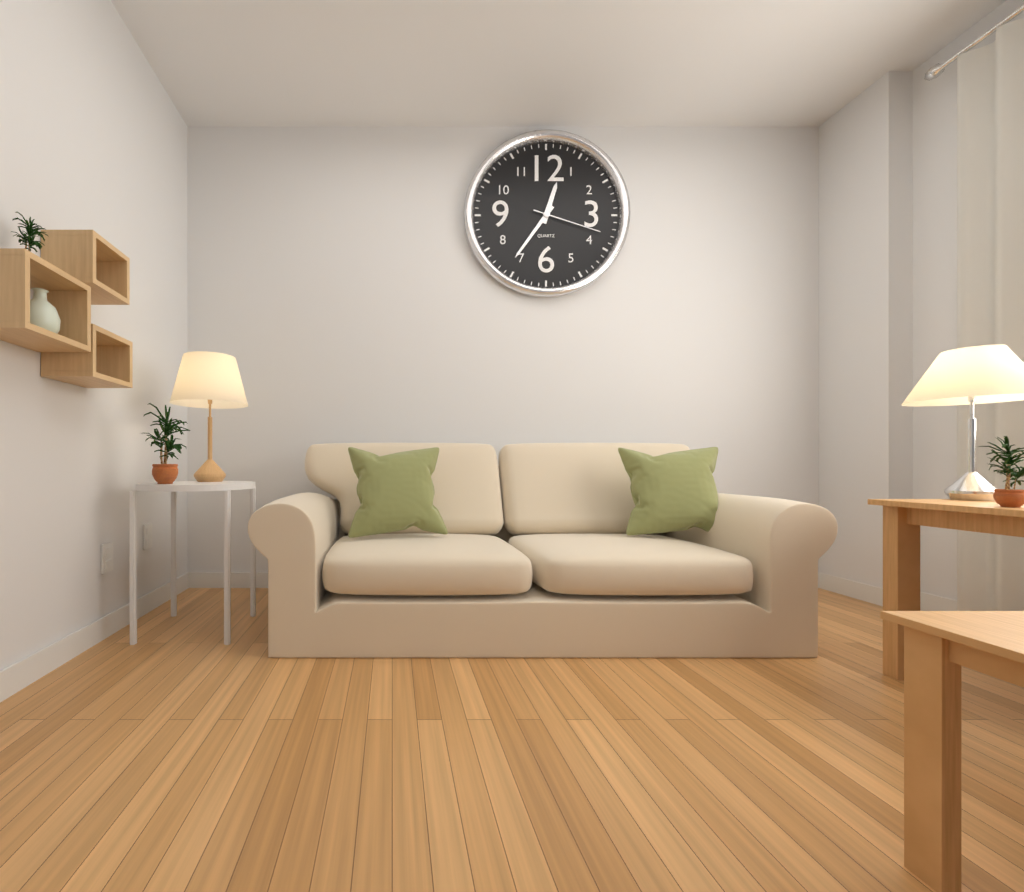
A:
**12:36:18**
